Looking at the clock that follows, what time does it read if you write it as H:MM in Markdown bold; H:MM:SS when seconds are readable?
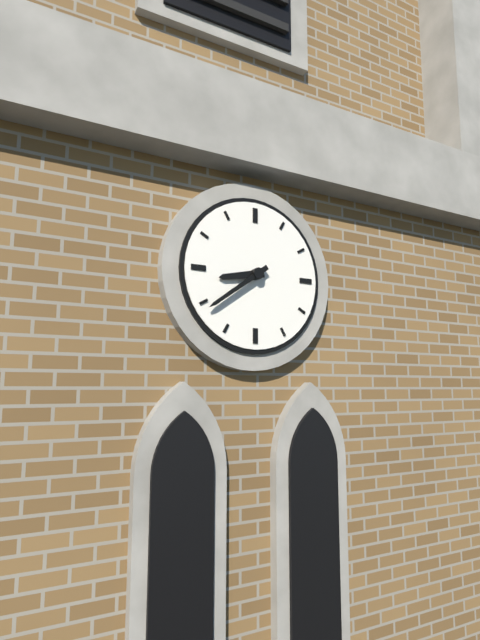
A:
**8:39**
